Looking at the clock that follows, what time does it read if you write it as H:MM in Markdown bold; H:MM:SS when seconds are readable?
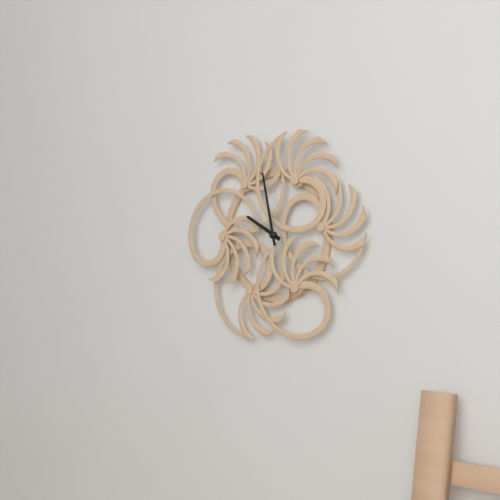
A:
**9:58**
